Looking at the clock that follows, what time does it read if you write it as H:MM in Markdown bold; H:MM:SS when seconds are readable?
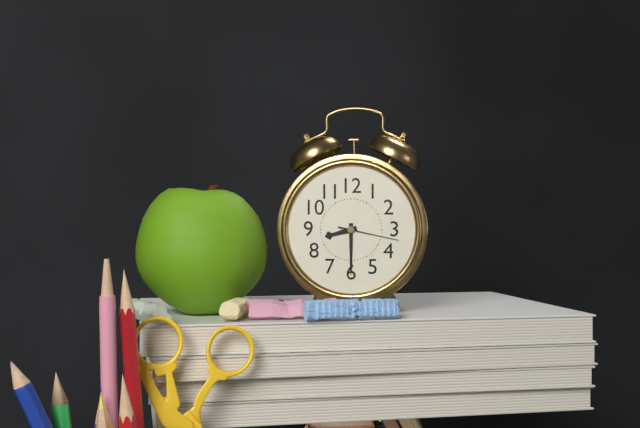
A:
**8:30:17**
